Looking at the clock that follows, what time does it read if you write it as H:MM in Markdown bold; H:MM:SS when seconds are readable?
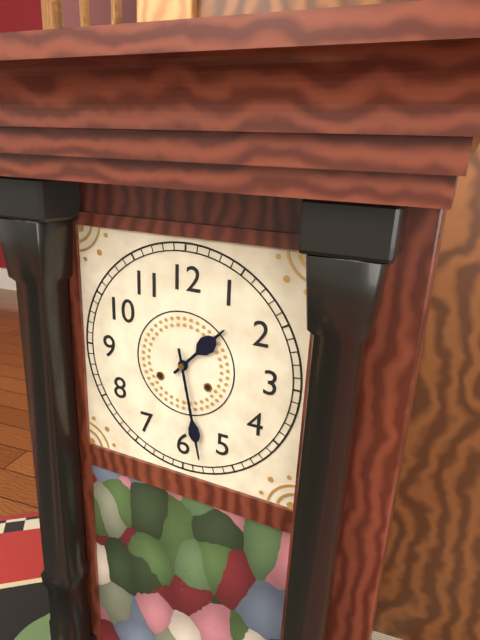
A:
**1:28**
